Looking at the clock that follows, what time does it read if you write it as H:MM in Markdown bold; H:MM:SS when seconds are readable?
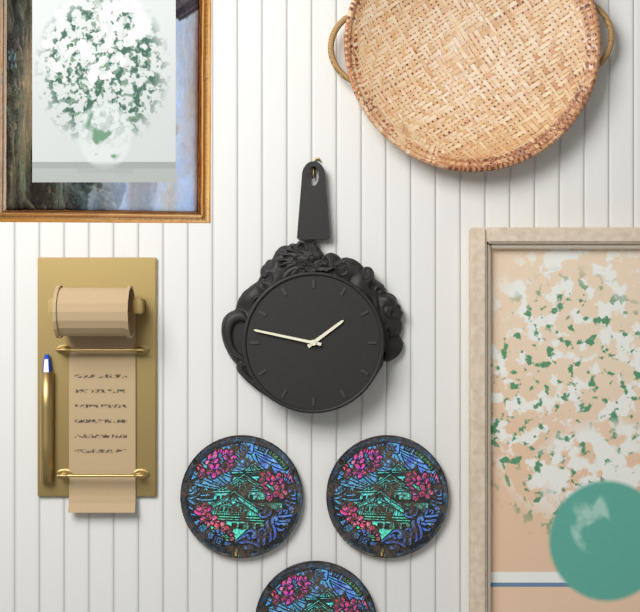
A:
**1:47**
